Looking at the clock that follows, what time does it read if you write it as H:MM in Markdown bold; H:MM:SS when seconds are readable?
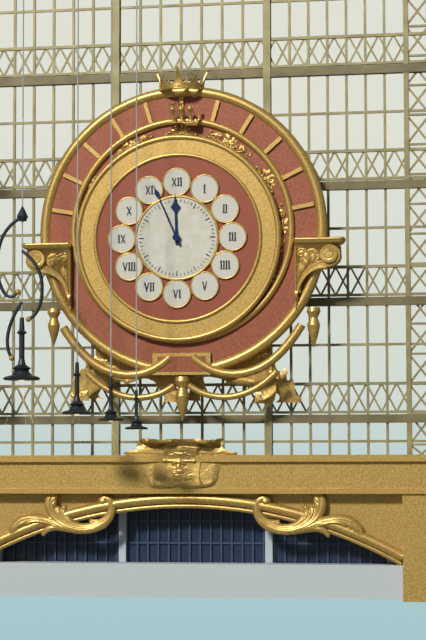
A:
**11:56**
